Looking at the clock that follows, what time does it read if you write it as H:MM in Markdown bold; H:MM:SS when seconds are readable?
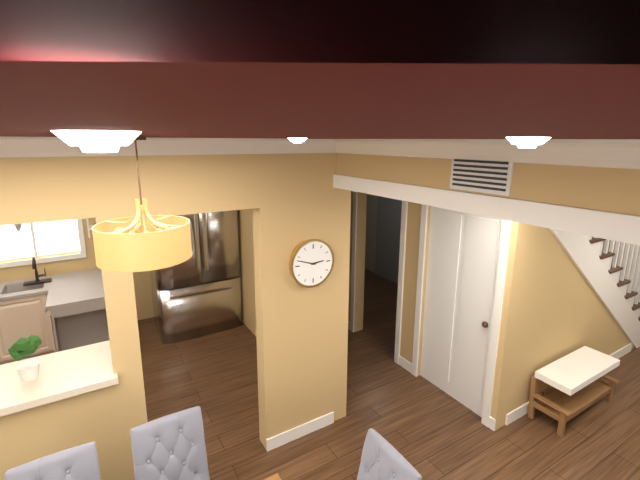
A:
**2:48**
